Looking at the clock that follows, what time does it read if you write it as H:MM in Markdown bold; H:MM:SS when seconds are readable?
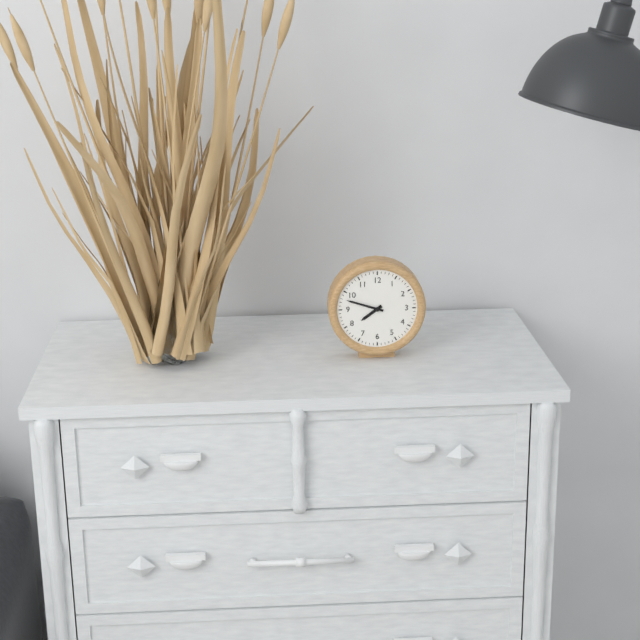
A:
**7:48**
